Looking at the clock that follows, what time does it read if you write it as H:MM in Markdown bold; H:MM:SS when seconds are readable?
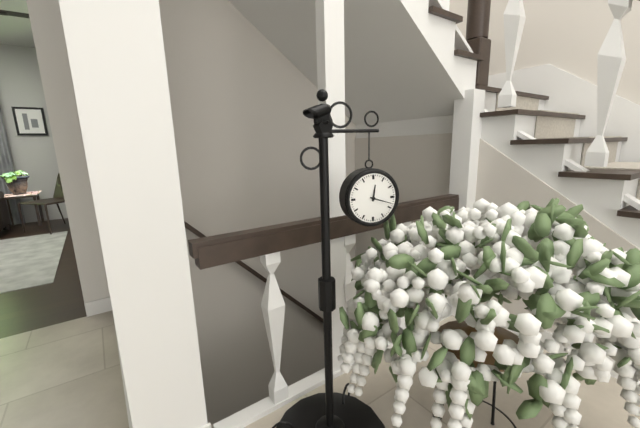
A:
**12:18**
